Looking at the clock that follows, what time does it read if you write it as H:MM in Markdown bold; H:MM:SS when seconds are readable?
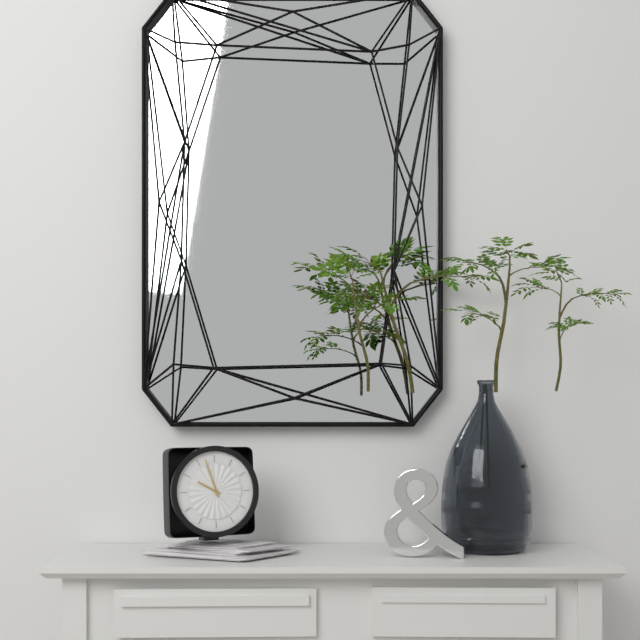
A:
**9:57**
